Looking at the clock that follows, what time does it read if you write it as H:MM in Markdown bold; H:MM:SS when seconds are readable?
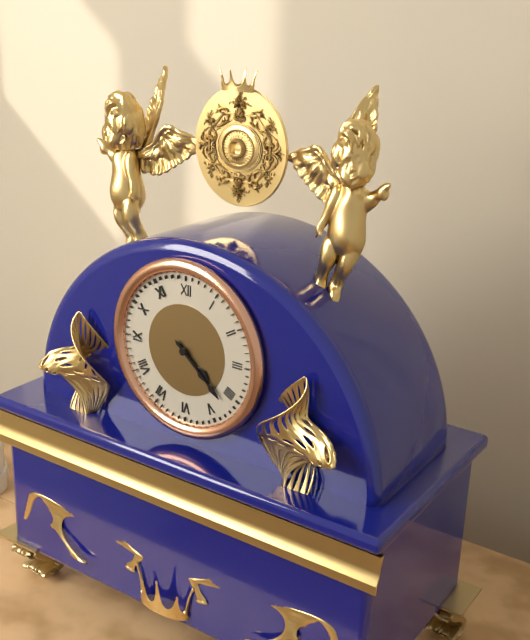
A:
**4:22**
